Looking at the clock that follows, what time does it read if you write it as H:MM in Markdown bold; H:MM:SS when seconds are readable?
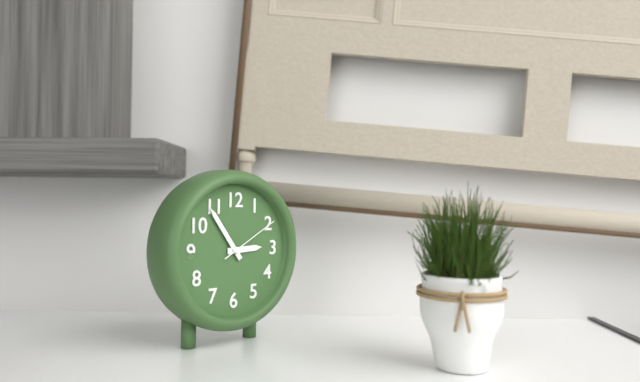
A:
**2:54:10**
